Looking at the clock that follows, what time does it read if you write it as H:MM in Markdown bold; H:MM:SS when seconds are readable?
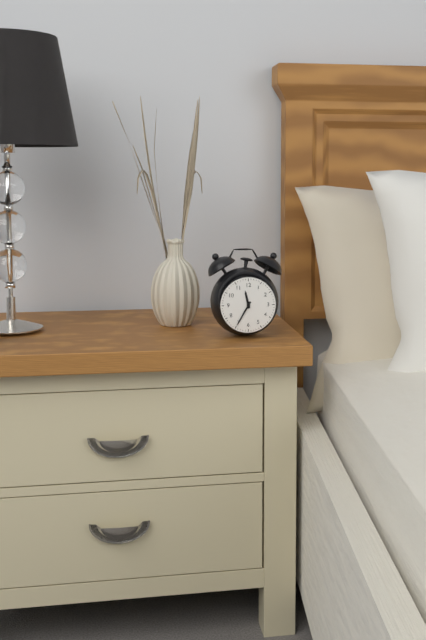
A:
**11:35**
